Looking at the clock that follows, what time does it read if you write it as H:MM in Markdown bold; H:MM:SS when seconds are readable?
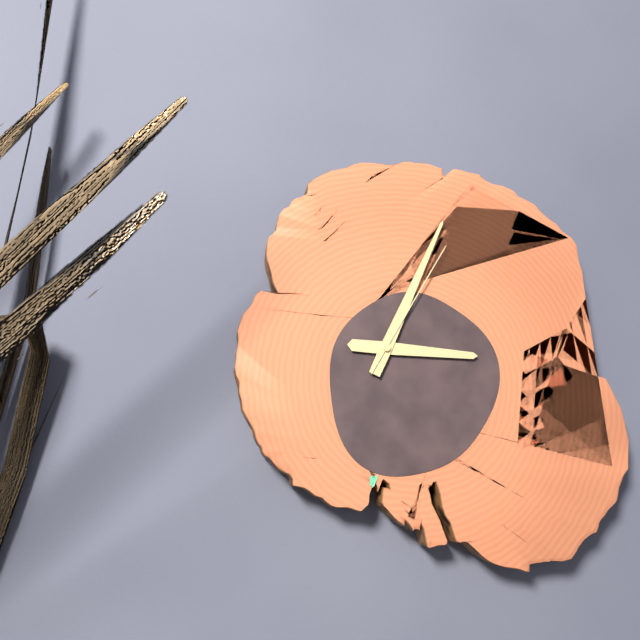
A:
**3:04:05**
